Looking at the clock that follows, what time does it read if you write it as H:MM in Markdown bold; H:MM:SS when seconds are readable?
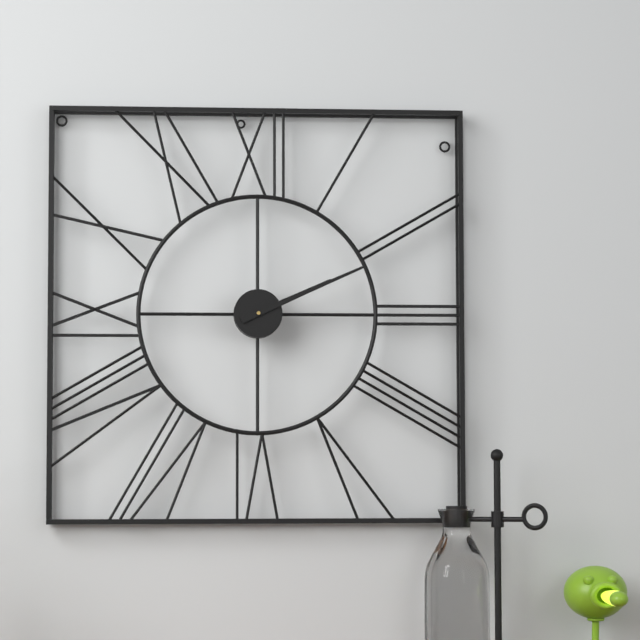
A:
**2:11**
